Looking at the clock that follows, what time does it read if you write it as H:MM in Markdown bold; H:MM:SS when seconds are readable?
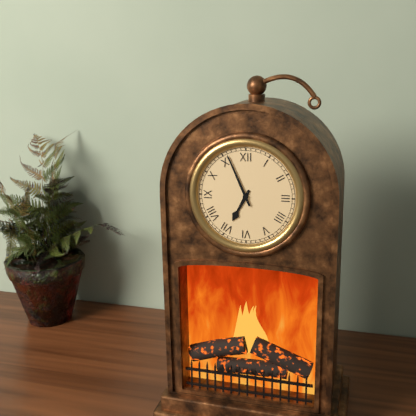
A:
**6:56**
